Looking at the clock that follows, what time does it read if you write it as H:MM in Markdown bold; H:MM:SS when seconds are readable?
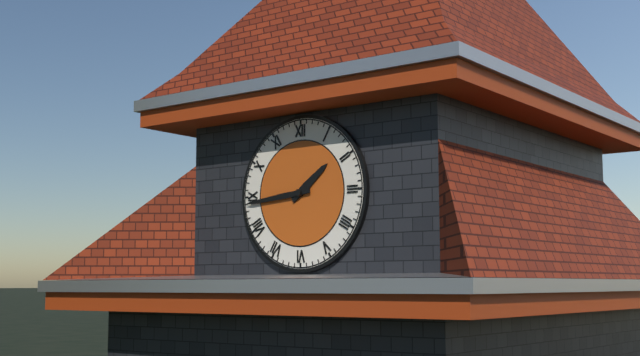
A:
**1:44**
